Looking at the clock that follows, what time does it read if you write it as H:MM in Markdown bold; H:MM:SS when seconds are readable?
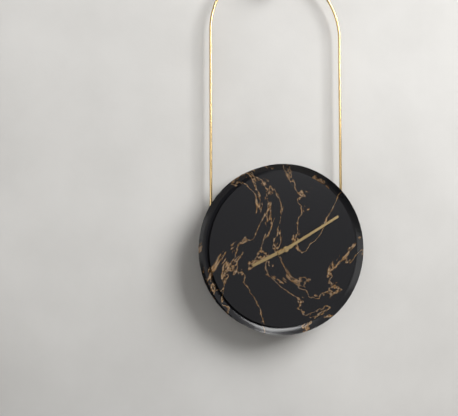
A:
**8:10**
